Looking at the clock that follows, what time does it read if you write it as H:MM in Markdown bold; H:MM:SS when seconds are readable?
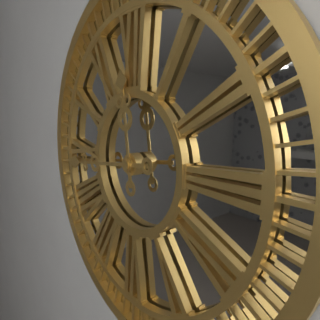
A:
**11:44**
